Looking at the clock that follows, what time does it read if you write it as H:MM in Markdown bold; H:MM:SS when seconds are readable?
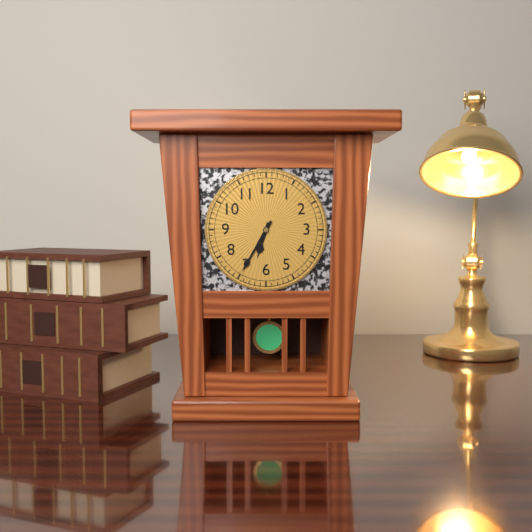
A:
**6:35**
